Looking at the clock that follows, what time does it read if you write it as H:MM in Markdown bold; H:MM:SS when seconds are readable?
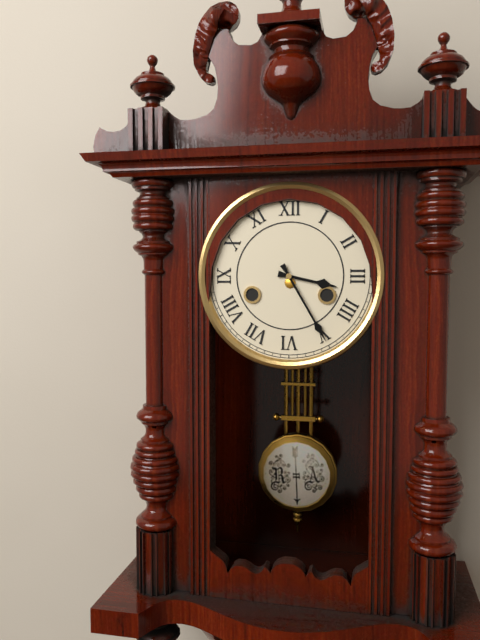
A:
**3:25**
